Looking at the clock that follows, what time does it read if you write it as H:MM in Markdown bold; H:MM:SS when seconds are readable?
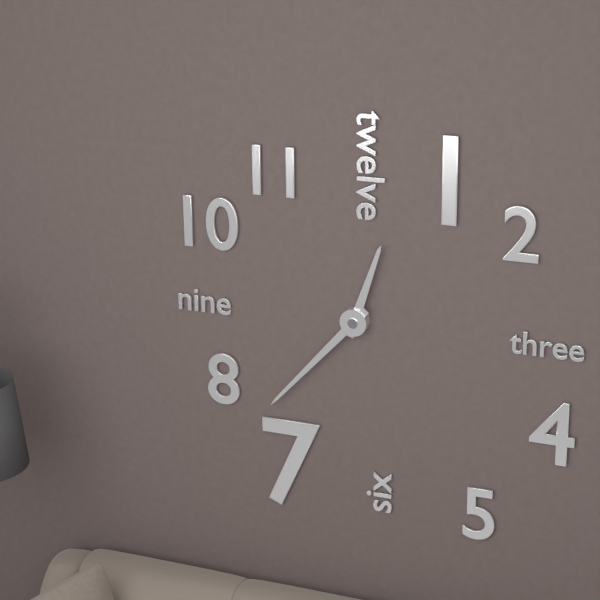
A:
**12:37**
